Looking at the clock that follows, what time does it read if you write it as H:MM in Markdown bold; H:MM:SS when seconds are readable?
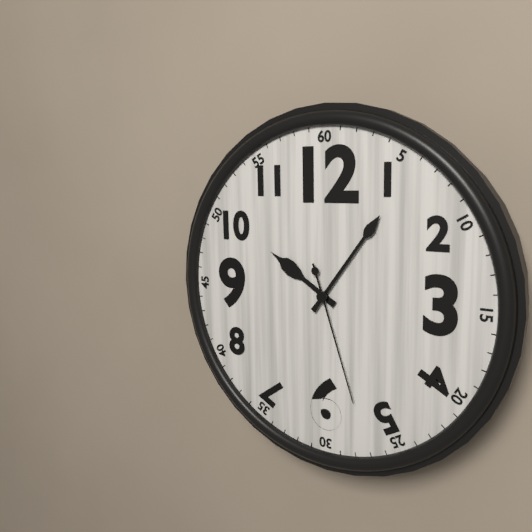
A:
**10:06:27**
